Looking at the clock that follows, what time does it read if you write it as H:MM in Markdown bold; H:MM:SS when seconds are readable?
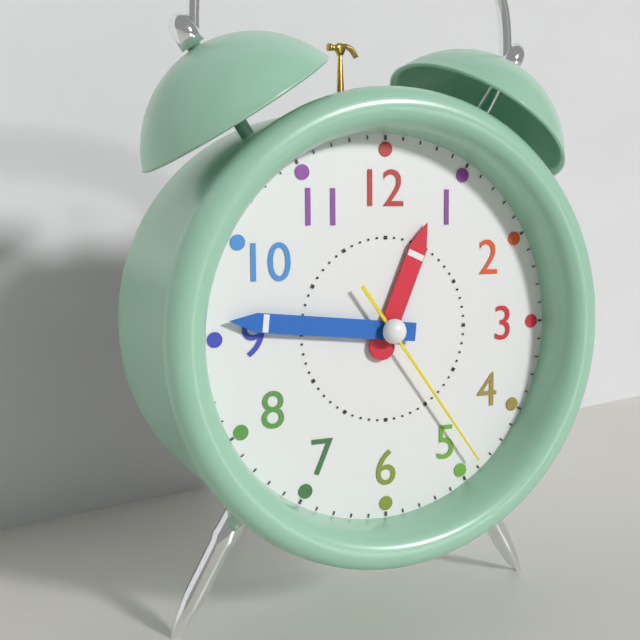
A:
**12:46:24**
